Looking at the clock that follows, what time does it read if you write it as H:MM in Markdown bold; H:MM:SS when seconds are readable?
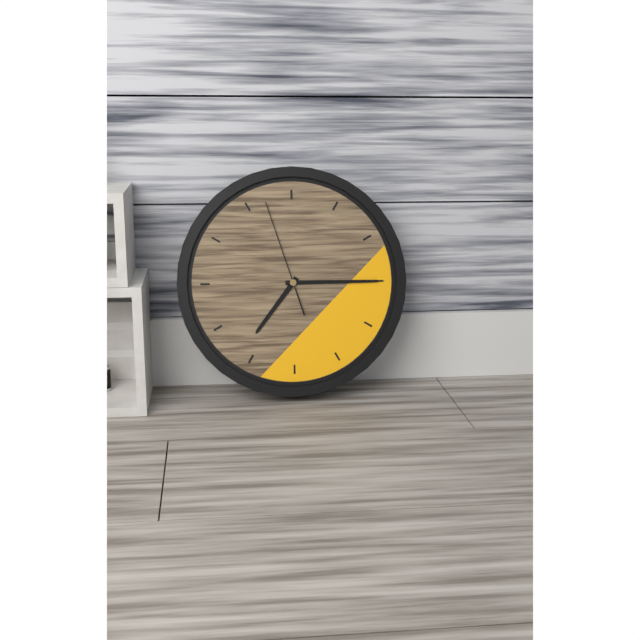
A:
**7:15:57**
